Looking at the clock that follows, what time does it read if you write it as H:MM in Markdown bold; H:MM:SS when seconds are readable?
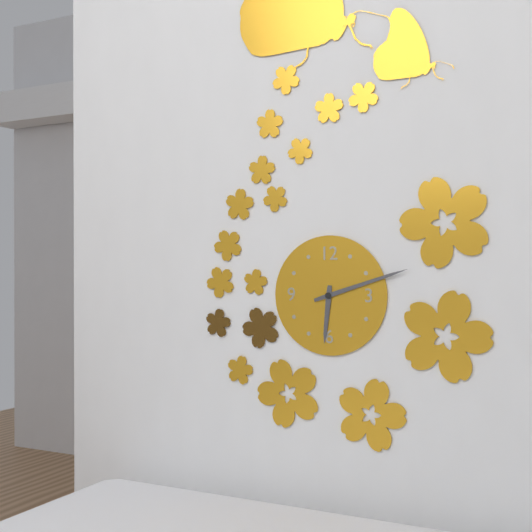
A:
**6:12**
